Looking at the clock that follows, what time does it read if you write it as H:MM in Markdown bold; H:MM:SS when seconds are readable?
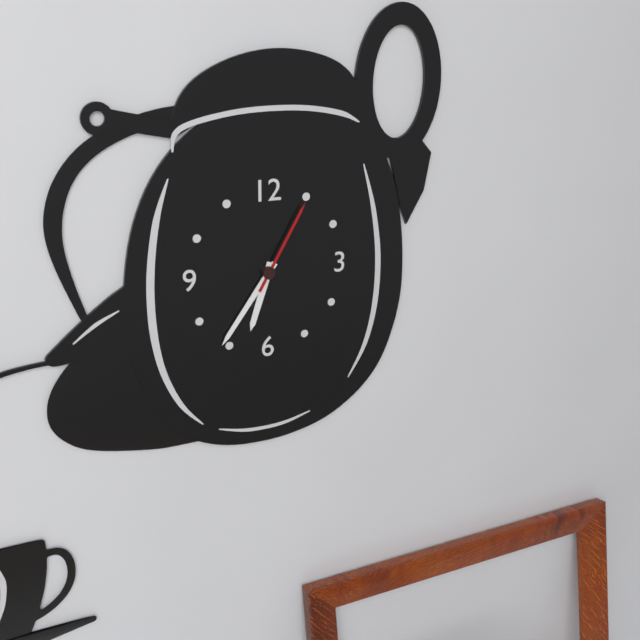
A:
**6:36:05**
